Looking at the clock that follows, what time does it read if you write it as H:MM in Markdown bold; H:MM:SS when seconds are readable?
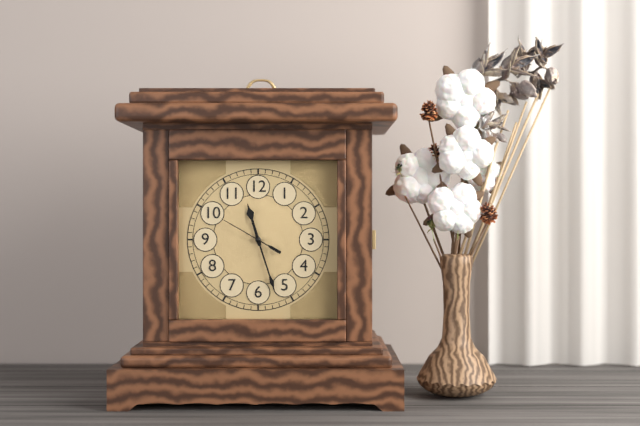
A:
**11:27:50**
